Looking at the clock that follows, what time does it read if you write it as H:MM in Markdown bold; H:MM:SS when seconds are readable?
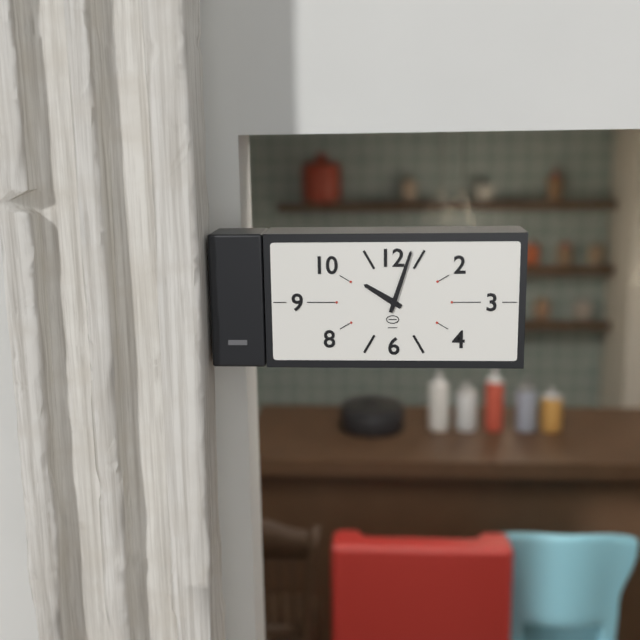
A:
**10:03**
